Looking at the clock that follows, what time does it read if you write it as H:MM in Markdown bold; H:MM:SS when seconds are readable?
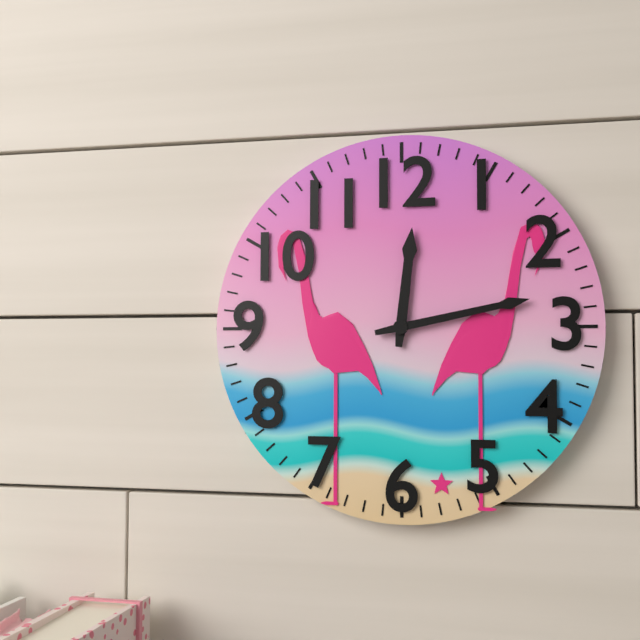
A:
**12:13**
